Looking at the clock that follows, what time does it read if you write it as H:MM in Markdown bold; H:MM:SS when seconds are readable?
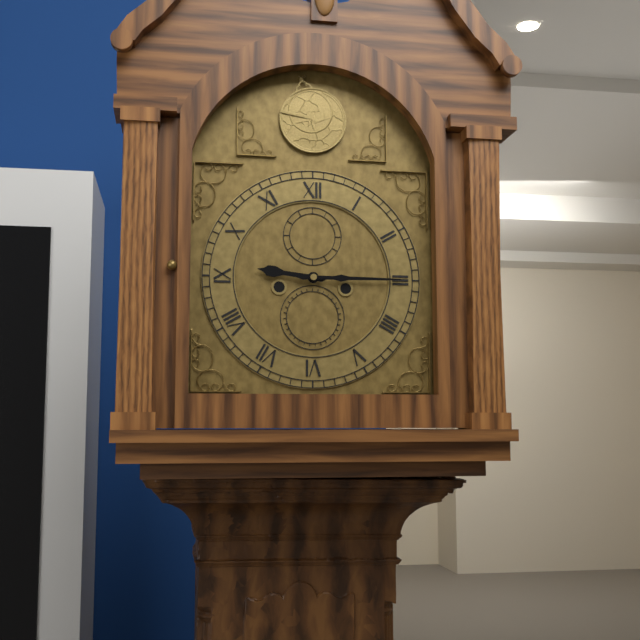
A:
**9:15**
